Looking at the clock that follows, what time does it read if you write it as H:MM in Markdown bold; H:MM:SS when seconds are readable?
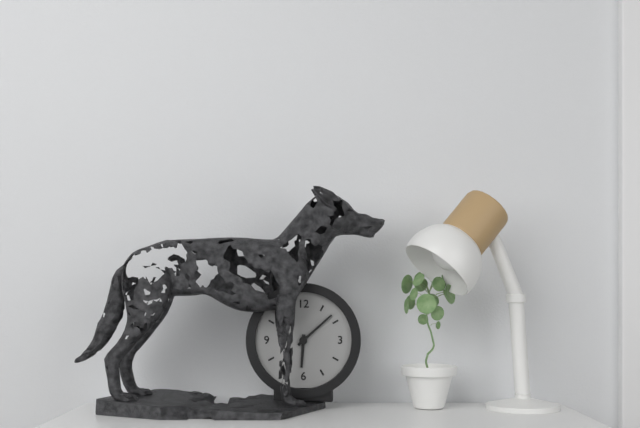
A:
**6:08**
